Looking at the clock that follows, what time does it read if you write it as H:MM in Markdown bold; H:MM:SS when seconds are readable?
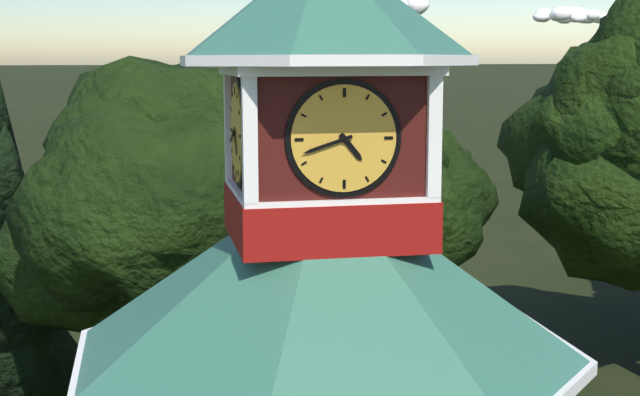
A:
**4:42**
